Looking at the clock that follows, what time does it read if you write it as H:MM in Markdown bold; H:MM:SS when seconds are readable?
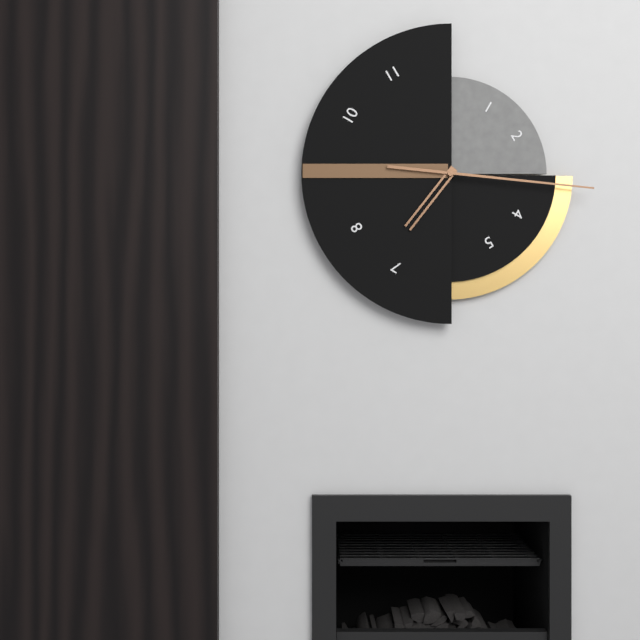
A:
**7:16**
